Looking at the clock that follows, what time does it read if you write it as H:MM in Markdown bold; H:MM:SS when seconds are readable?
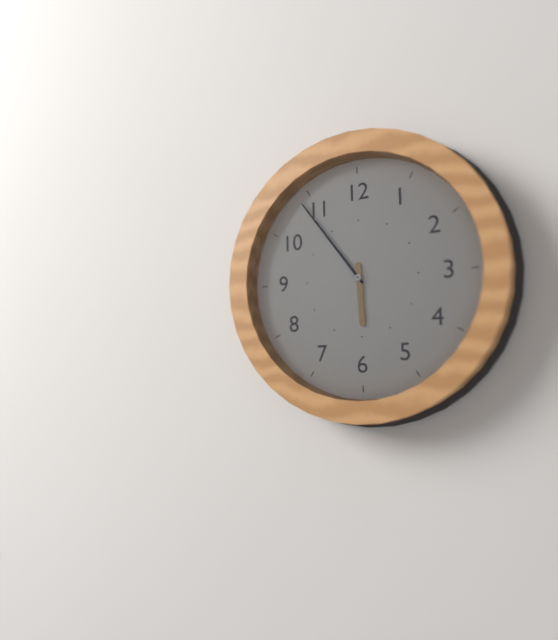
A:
**5:54**
